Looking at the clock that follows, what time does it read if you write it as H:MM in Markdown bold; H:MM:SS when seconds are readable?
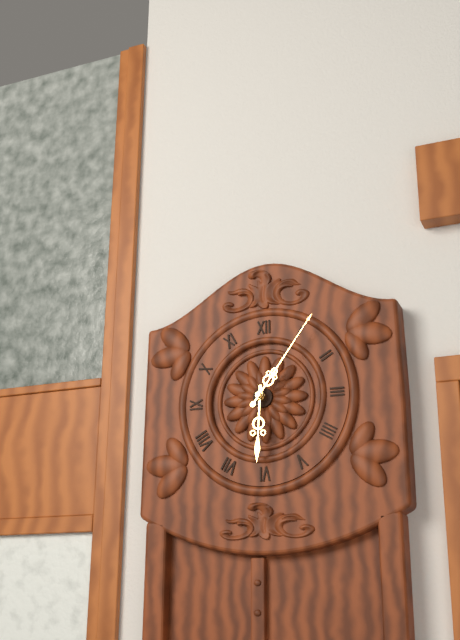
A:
**6:06**
